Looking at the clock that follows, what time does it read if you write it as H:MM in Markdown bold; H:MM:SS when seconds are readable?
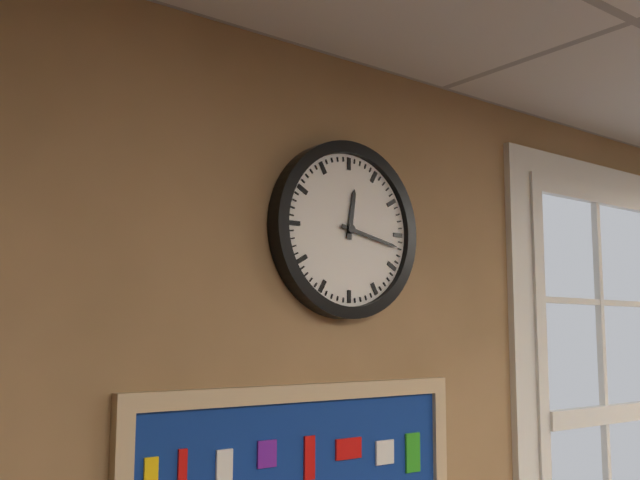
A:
**12:17**
